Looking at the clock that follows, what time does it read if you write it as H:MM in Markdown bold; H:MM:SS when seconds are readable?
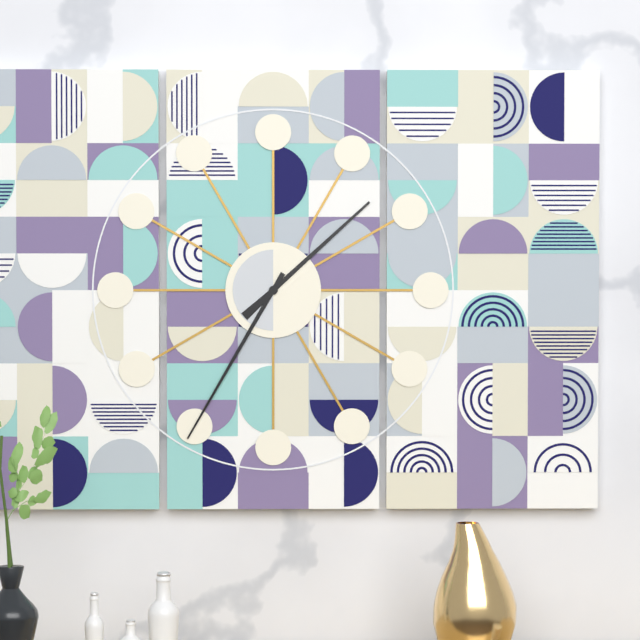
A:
**1:35**
